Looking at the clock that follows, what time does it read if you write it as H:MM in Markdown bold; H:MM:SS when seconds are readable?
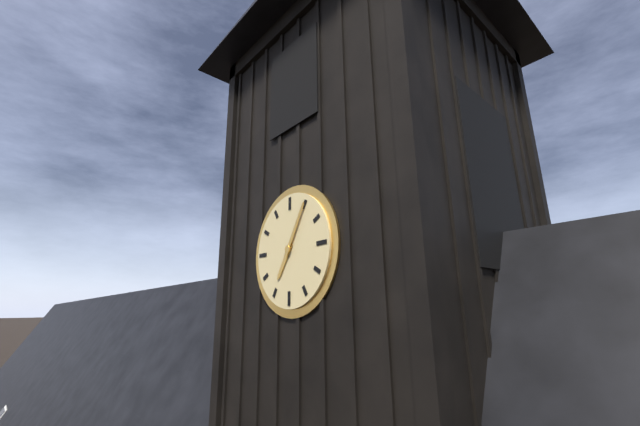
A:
**7:05**
